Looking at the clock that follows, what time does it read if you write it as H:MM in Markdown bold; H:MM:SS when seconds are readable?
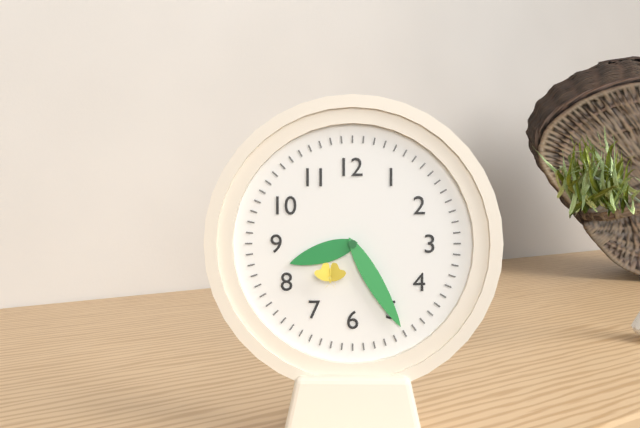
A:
**8:25**
